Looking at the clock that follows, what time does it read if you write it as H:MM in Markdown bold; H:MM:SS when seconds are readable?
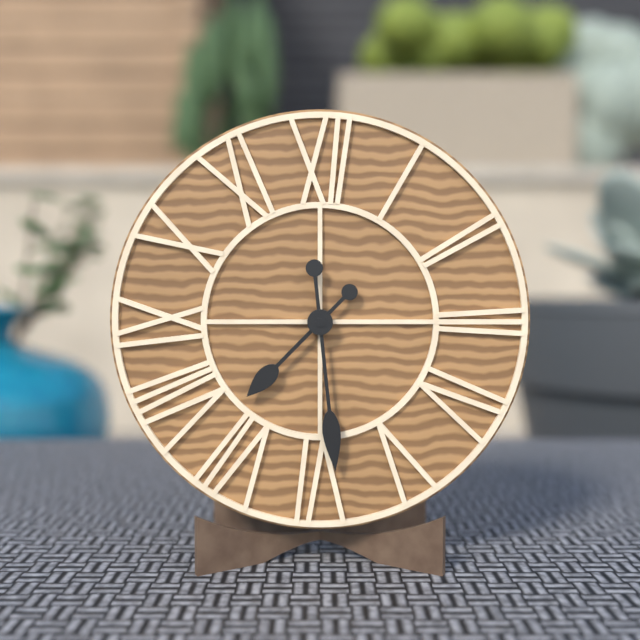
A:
**7:29**
